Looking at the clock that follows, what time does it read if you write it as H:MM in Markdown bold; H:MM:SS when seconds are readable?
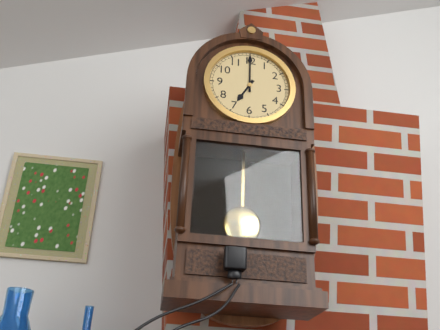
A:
**7:00**
